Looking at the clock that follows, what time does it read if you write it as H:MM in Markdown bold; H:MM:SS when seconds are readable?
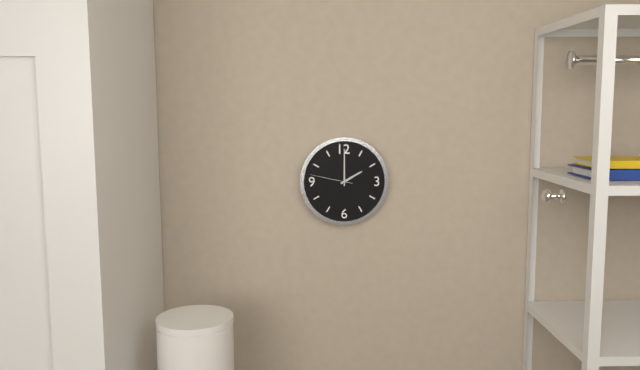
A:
**2:00**
